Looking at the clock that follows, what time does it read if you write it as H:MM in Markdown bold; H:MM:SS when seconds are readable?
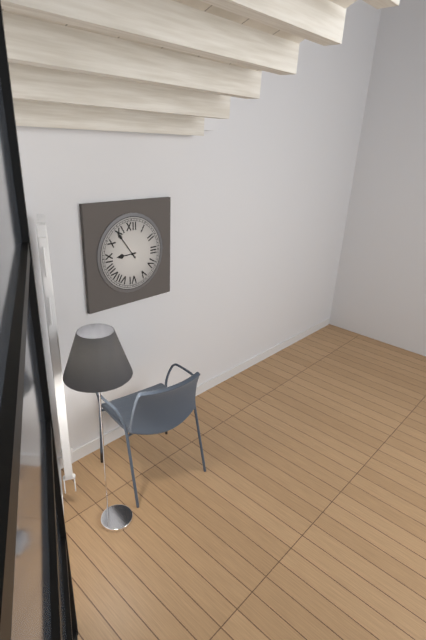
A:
**8:54**
